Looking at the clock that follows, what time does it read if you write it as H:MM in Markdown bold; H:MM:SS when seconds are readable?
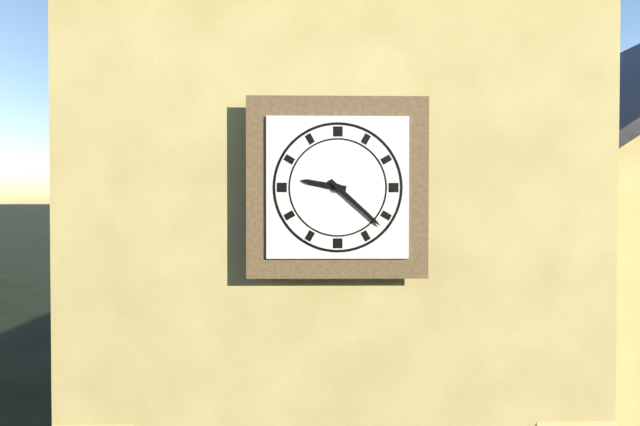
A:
**9:22**
